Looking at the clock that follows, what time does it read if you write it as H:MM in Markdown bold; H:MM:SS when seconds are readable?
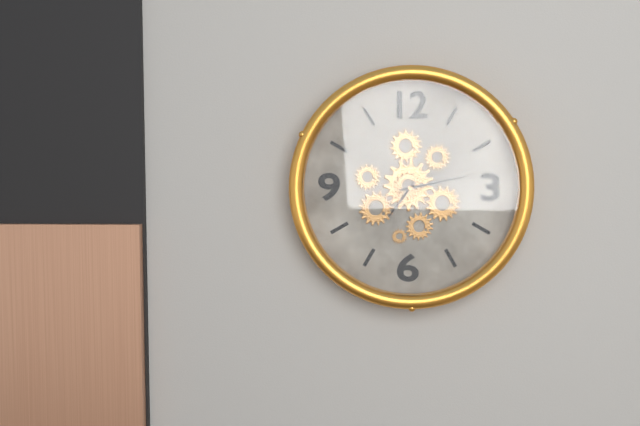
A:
**7:13**
